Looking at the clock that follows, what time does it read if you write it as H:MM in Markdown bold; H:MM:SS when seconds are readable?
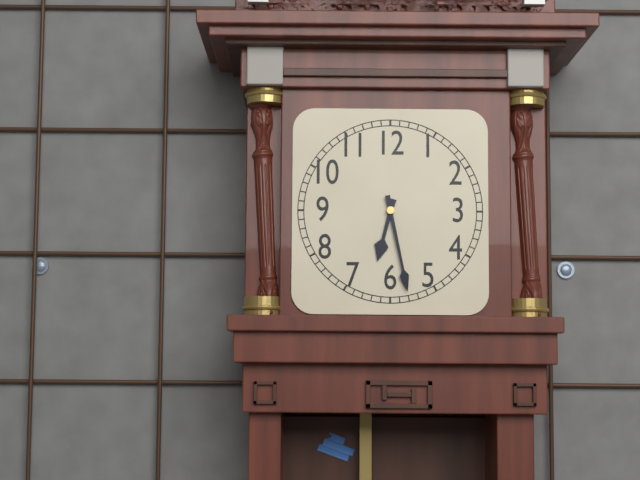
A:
**6:28**
